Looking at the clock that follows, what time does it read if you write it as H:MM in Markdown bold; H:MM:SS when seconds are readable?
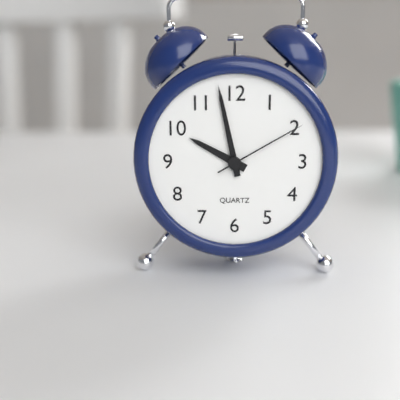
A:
**9:58:10**
